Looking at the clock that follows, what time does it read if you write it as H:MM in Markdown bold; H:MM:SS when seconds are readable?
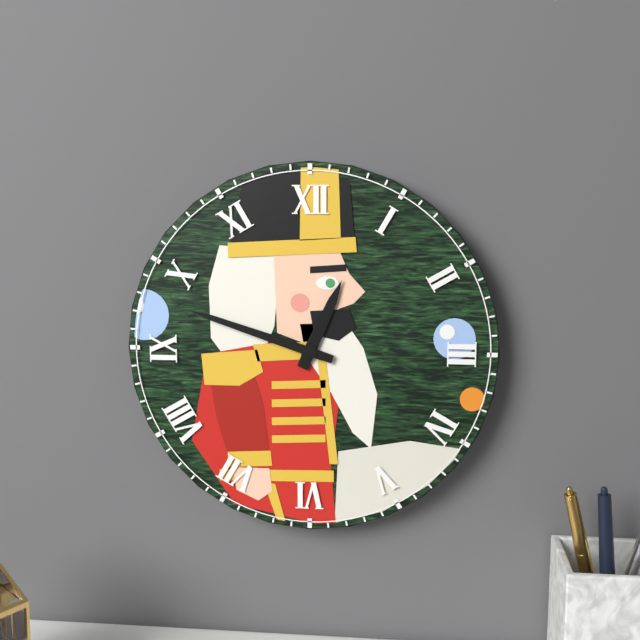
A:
**12:48**
